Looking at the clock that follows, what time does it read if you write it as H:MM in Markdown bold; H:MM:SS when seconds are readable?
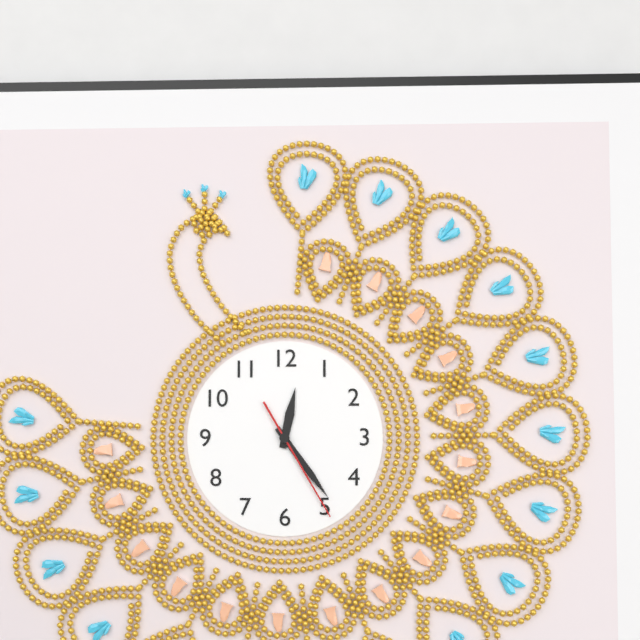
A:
**12:24:25**
